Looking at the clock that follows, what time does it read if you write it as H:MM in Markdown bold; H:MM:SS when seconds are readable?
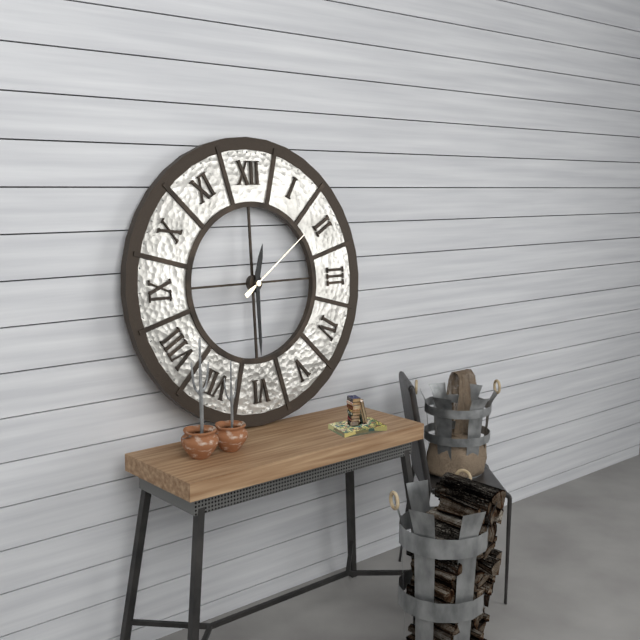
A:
**12:30:09**
